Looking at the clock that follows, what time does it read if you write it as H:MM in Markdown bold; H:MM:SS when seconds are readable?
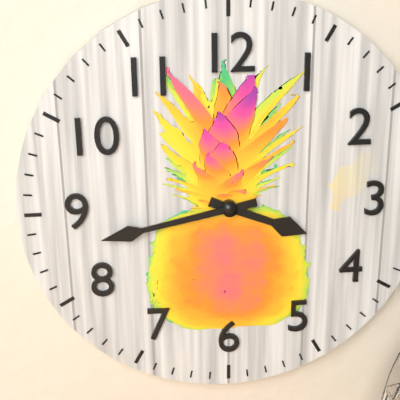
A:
**3:43**
